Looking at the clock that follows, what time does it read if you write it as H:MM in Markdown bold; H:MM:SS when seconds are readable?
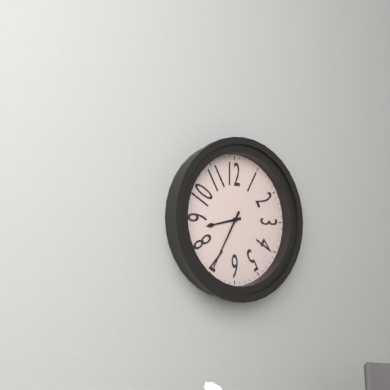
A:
**8:35**
